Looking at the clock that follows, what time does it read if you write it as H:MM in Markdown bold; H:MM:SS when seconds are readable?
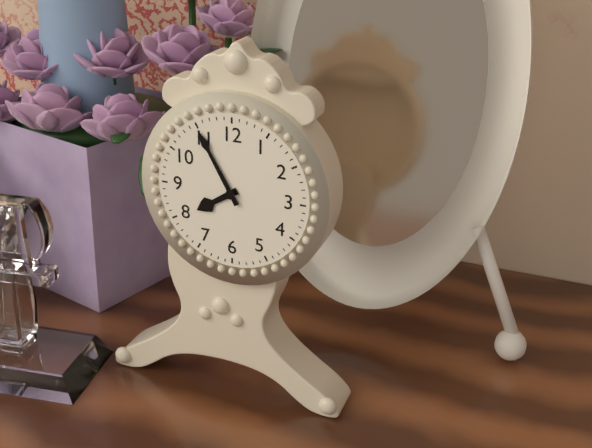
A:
**7:55**
